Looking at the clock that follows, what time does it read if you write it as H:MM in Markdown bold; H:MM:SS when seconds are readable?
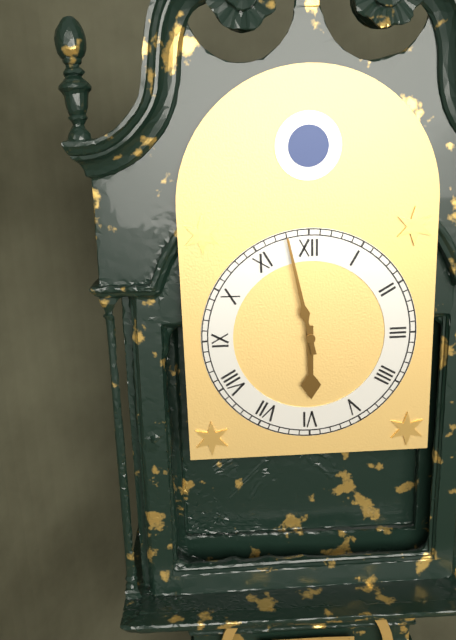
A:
**5:58**
